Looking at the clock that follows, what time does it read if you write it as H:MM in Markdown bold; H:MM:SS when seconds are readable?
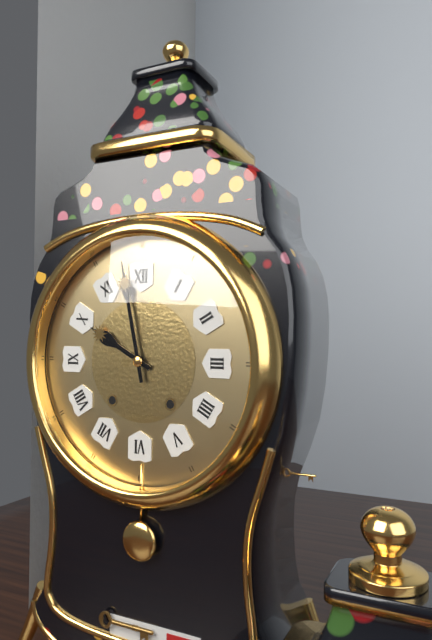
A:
**9:58**
